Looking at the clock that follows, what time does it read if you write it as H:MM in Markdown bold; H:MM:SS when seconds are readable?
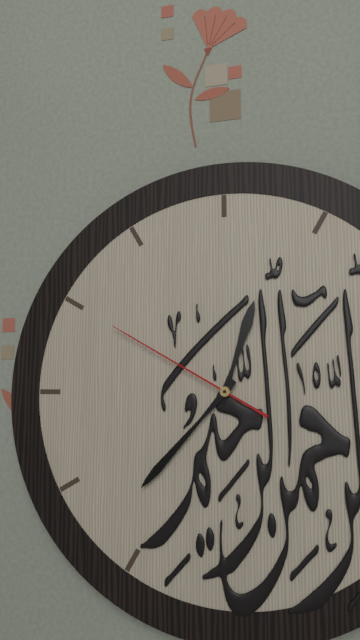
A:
**12:37:50**
